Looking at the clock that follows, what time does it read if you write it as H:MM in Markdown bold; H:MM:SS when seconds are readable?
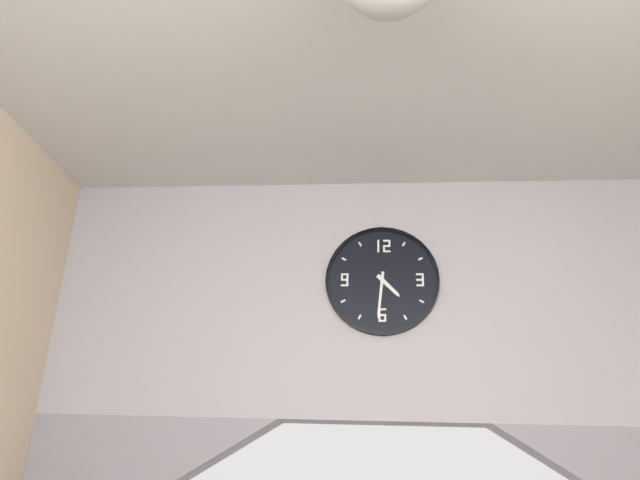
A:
**4:31**
